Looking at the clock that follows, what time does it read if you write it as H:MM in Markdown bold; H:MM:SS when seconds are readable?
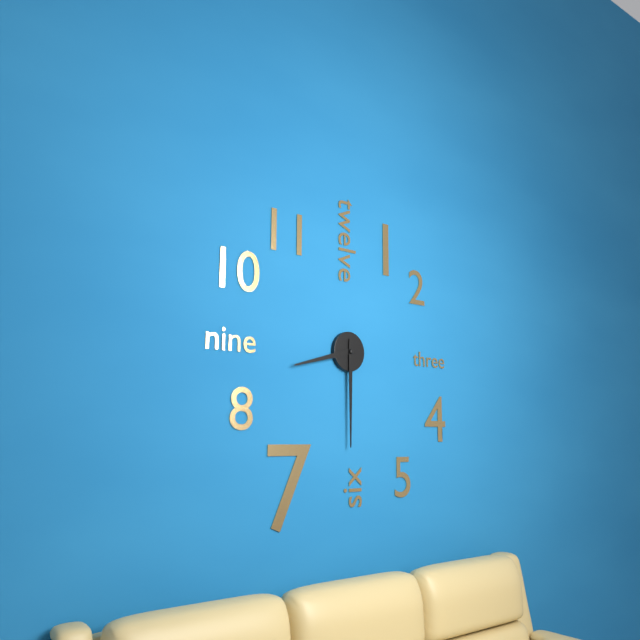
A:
**8:30**
